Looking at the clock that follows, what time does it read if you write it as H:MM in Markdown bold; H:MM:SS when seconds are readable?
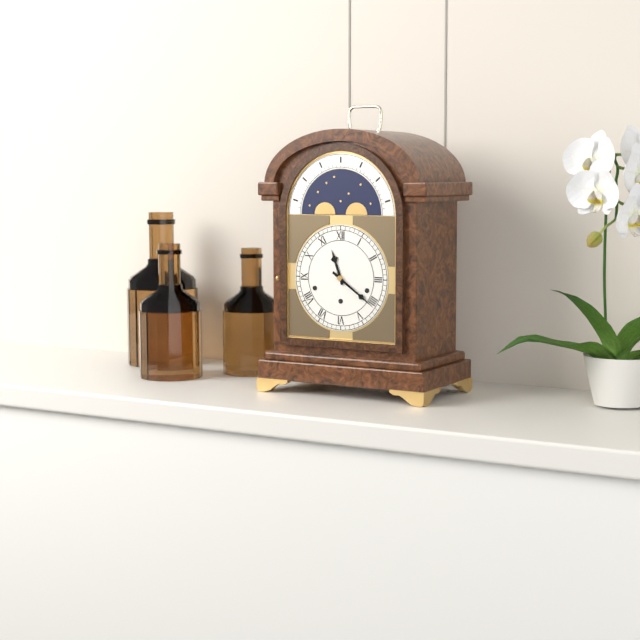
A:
**11:21**
